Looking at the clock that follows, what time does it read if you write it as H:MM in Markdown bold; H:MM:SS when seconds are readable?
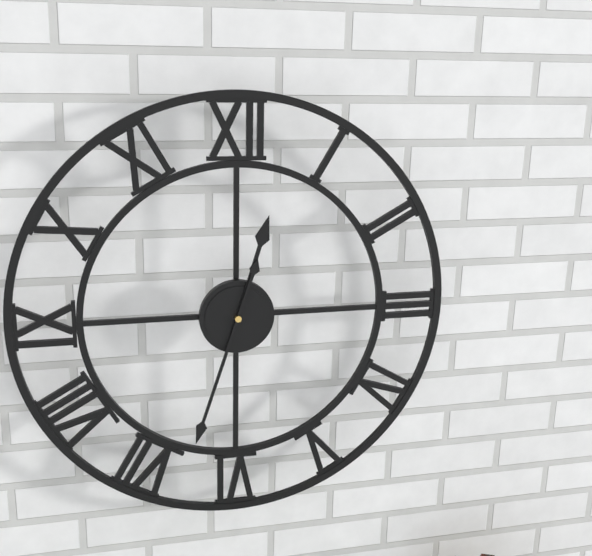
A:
**12:33**
